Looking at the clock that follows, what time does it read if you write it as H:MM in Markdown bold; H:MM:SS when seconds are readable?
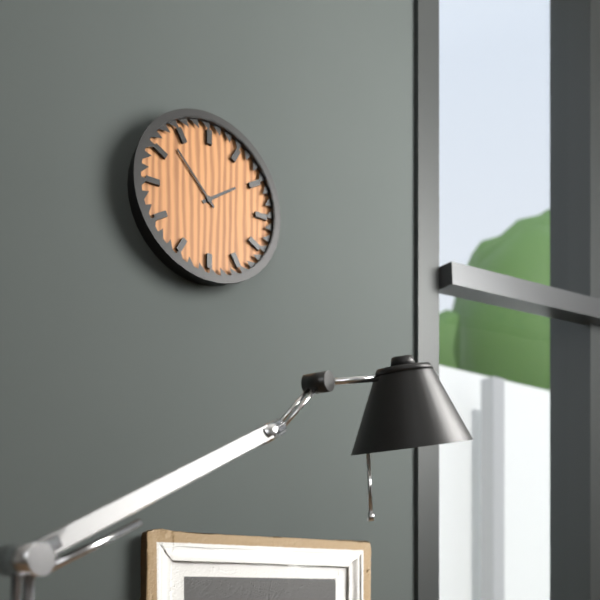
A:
**1:53**
